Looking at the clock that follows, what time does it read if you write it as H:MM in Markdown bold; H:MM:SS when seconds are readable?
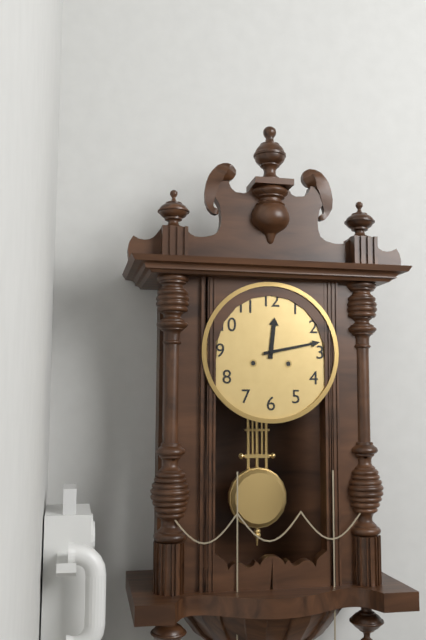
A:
**12:13**
